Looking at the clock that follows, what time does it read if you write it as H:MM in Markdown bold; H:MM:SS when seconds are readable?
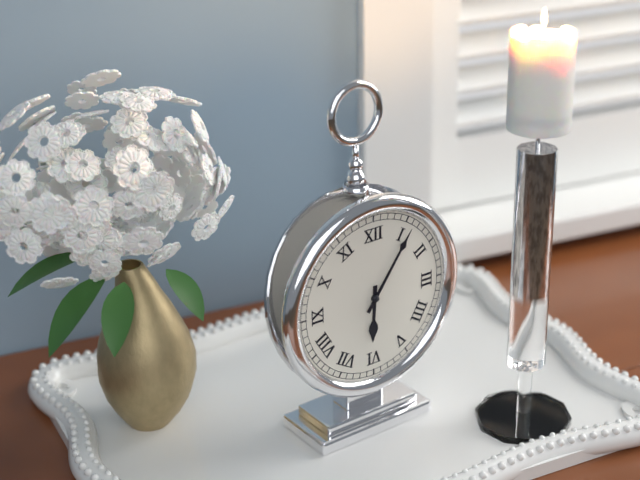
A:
**6:06**
